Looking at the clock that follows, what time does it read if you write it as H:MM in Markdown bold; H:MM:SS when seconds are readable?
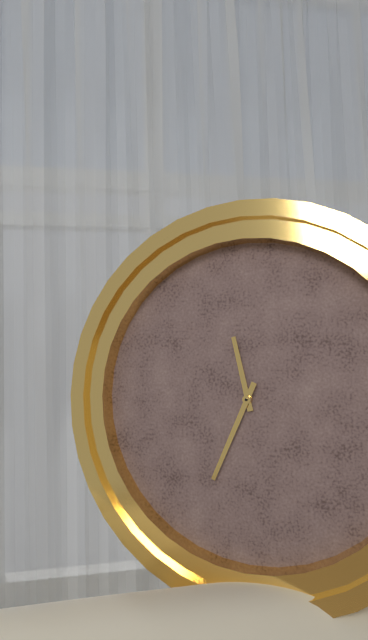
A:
**11:34**
